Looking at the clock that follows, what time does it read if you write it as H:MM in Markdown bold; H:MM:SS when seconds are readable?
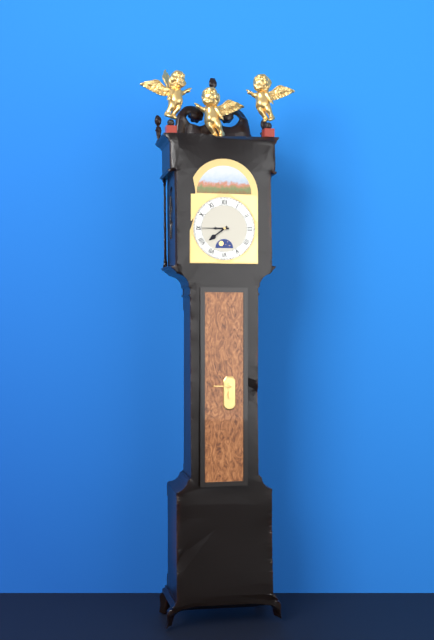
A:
**7:45**
